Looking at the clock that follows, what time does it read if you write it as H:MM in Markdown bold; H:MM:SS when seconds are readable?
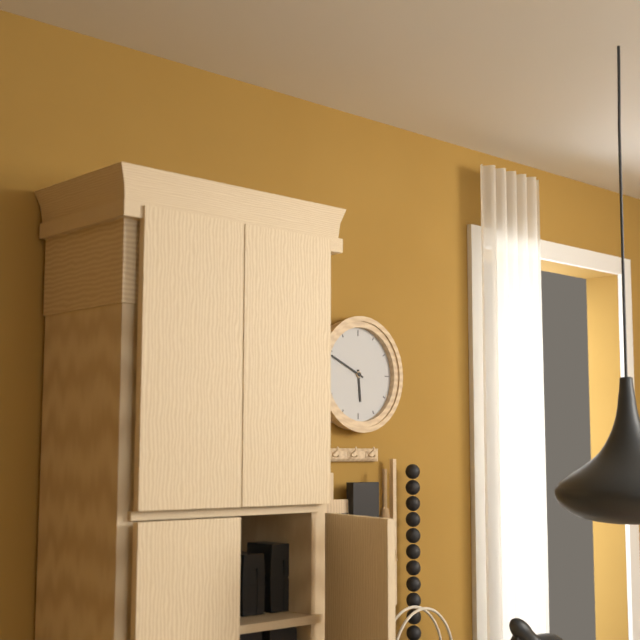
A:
**5:49**
